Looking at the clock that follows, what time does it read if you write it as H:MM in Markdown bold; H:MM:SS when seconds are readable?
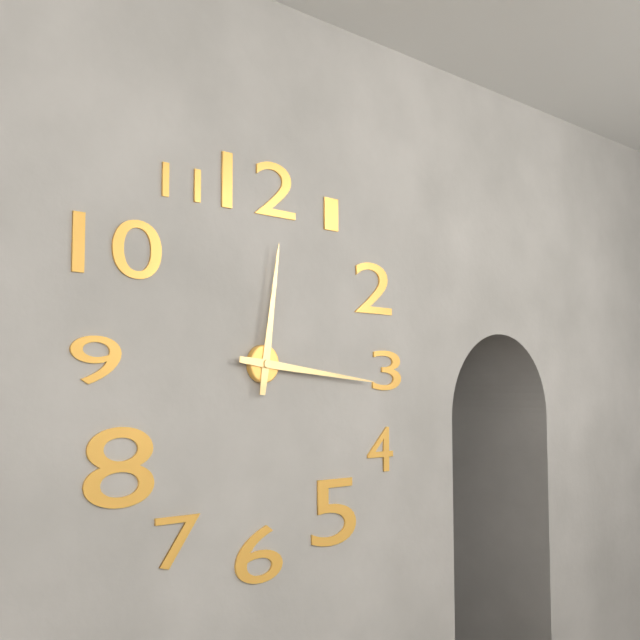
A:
**12:16**
